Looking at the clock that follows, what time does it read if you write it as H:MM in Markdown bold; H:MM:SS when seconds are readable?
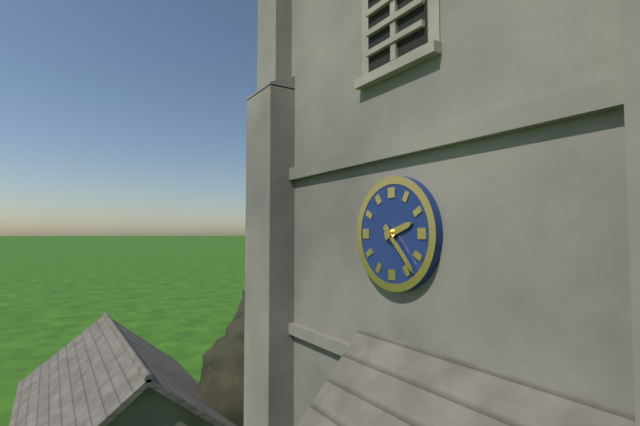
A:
**2:23**
